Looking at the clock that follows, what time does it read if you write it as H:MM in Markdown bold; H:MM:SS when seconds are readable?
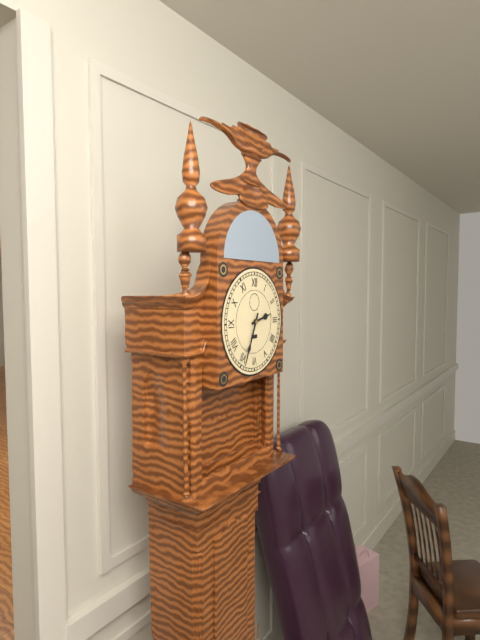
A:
**2:34**
